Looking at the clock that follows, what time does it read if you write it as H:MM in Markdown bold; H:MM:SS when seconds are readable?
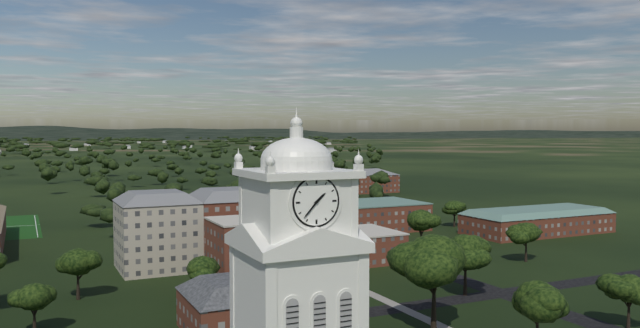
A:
**1:37**
